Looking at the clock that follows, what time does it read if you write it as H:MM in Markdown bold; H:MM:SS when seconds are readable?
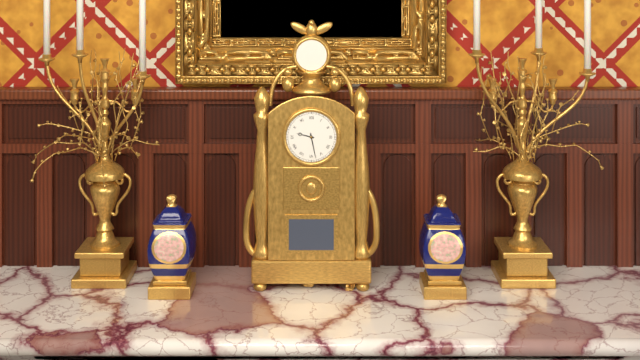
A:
**9:28**
